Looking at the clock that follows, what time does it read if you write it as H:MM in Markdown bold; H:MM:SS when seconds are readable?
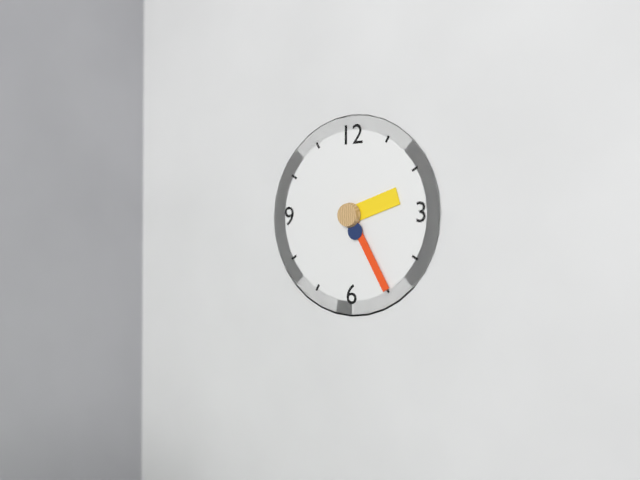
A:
**2:25**
